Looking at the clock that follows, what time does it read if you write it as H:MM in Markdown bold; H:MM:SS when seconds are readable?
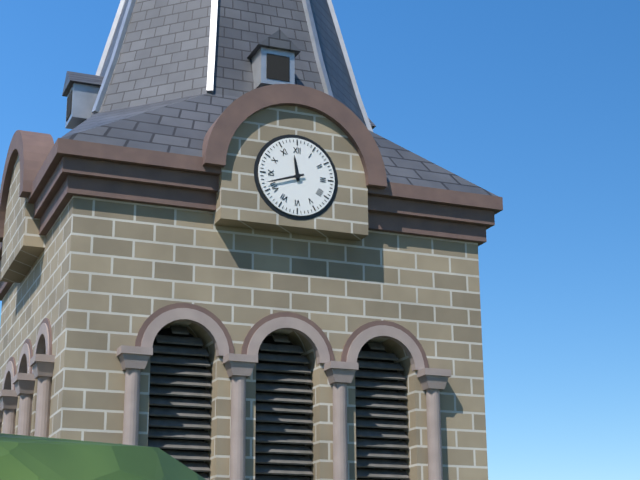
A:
**11:42**
